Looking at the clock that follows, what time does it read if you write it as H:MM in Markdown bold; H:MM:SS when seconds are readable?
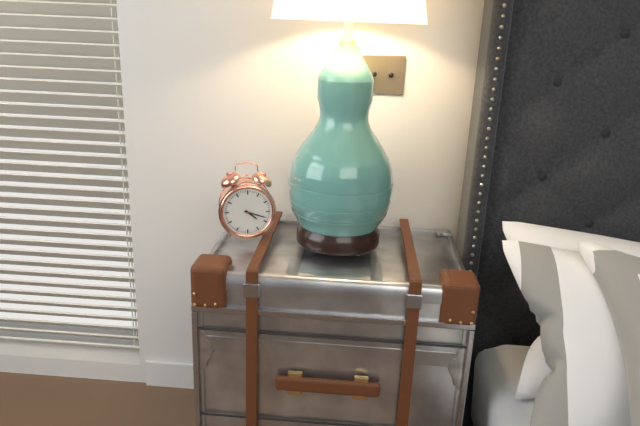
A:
**4:18**
